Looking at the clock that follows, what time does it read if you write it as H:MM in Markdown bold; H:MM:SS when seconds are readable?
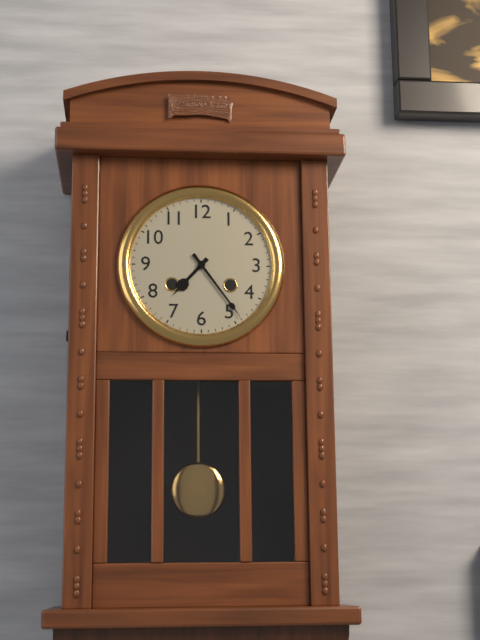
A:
**7:24**
